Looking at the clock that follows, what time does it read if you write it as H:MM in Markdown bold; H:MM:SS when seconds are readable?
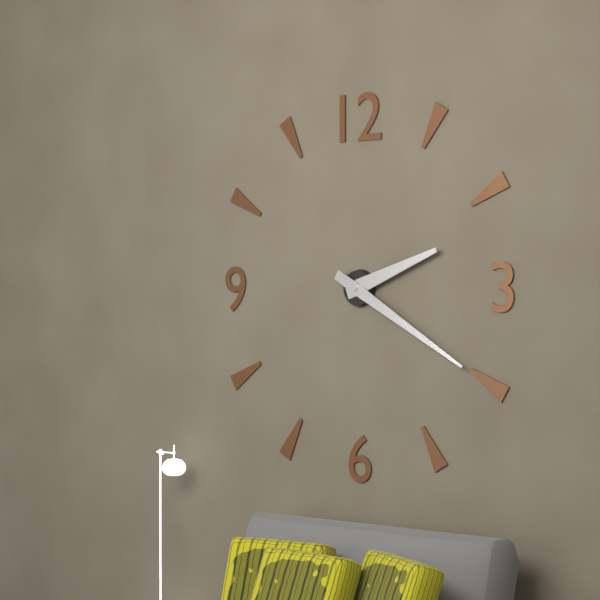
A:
**2:20**
